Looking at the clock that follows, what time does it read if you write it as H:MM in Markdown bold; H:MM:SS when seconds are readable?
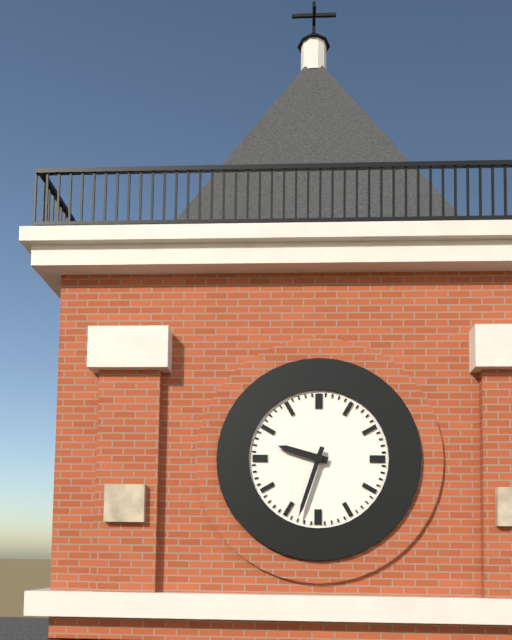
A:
**9:33**
